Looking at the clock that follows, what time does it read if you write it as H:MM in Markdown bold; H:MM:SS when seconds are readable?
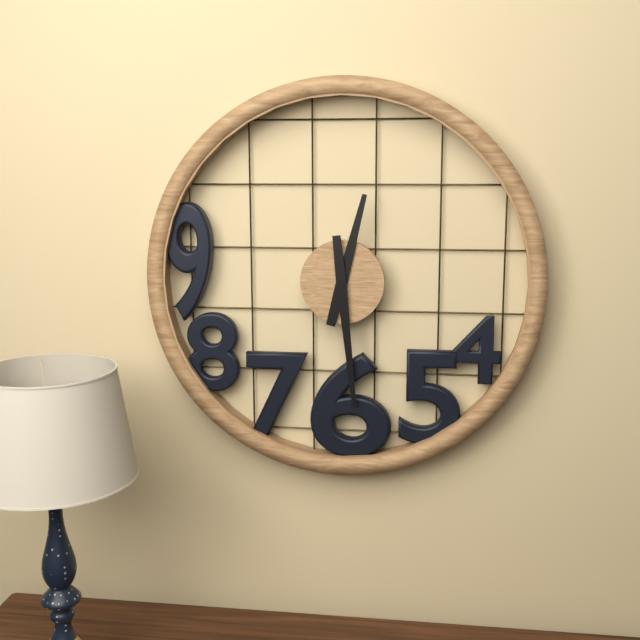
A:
**12:29**
